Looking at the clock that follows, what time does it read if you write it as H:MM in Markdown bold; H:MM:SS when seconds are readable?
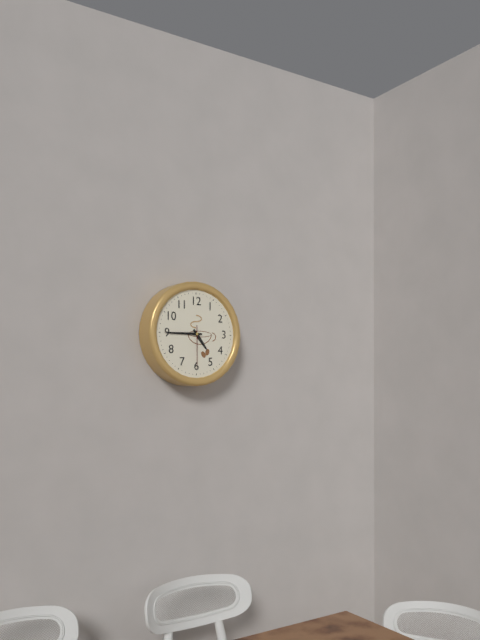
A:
**4:45**
